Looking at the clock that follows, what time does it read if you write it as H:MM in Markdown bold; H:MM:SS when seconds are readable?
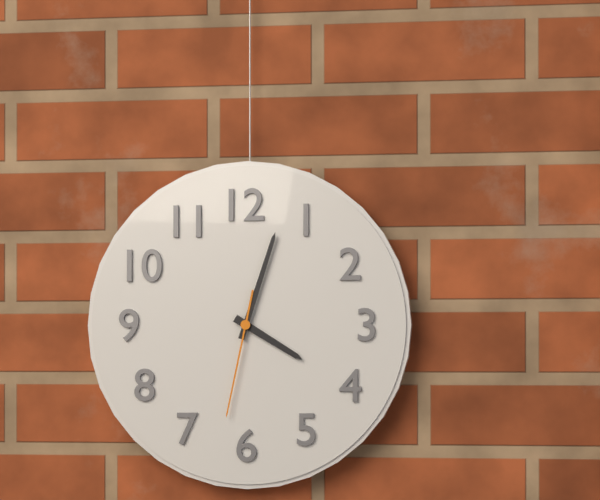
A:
**4:03:32**
